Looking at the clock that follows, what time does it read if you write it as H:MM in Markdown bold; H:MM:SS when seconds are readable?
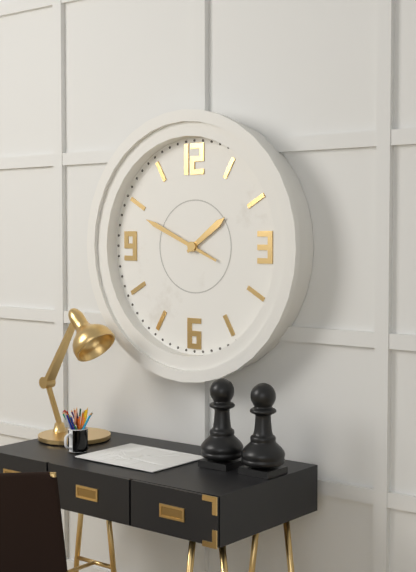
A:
**1:49**
